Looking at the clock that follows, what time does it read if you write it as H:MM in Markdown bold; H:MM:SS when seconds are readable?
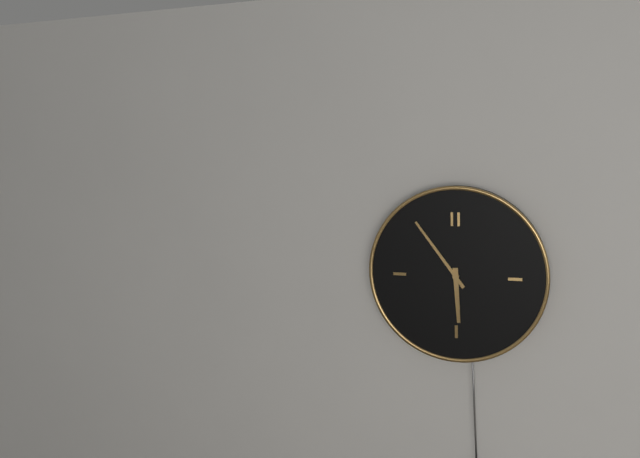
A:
**5:54**
